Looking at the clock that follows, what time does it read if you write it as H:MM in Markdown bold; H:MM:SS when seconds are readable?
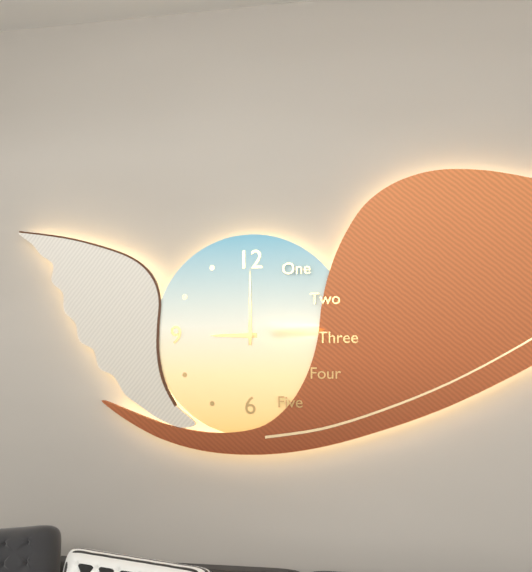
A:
**9:00**
